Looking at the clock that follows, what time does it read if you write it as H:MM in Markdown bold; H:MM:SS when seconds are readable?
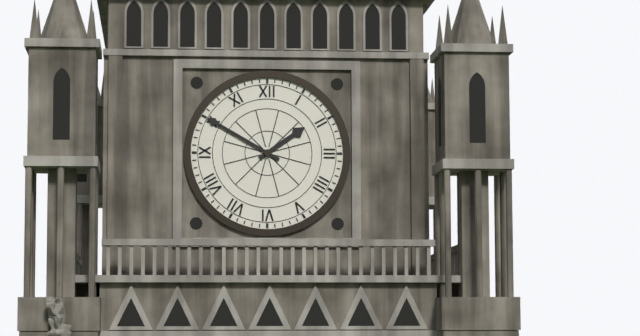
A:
**1:50**
